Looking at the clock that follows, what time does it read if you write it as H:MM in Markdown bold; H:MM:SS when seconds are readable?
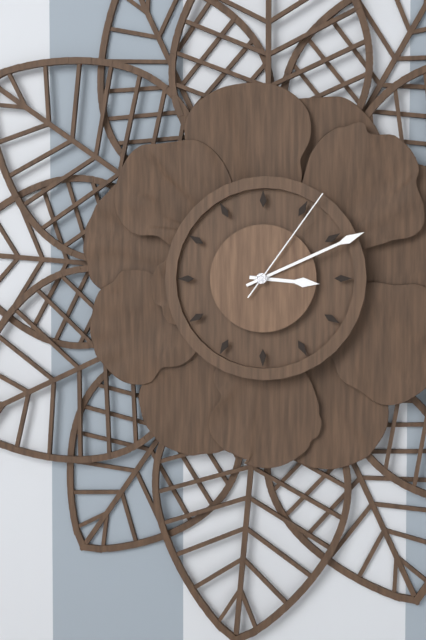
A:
**3:11:06**
